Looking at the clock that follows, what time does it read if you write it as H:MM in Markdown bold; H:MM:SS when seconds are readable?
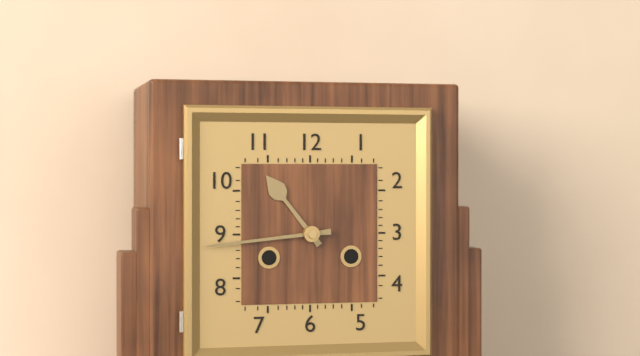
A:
**10:44**
